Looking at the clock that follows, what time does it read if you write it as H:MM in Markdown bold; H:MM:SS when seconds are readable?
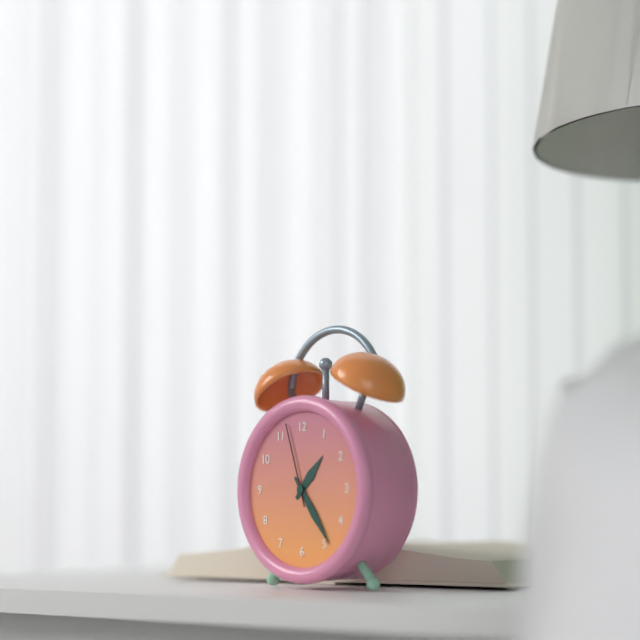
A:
**1:24:57**
